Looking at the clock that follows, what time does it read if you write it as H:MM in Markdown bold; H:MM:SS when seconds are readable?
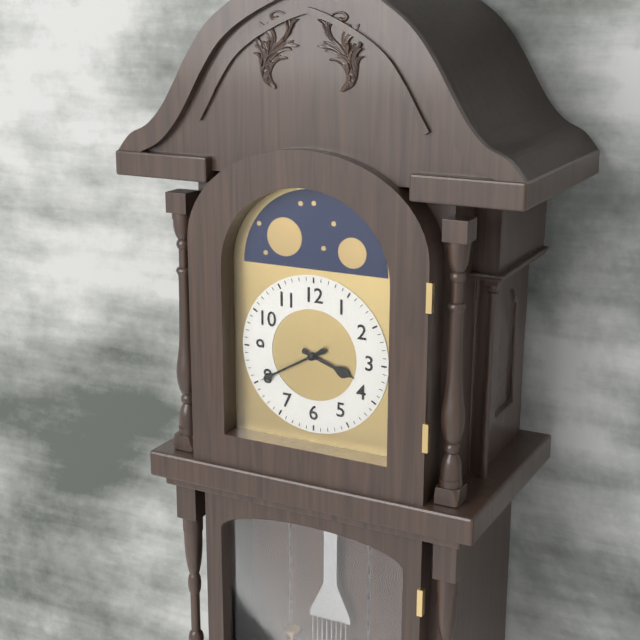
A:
**3:40**
